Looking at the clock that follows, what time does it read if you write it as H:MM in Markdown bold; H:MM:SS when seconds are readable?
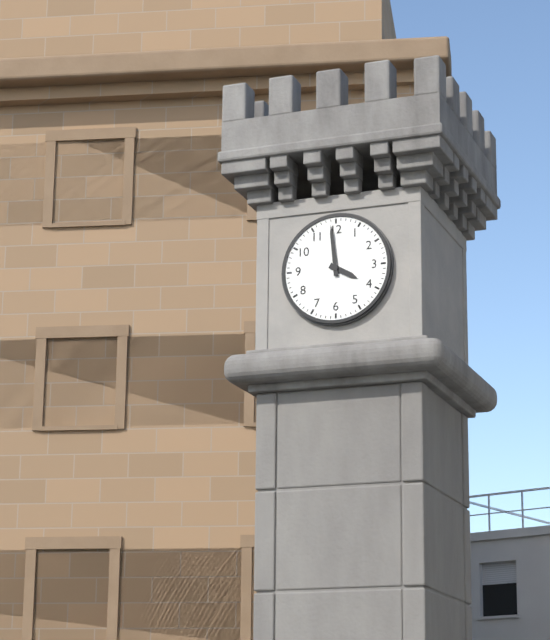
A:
**3:59**
